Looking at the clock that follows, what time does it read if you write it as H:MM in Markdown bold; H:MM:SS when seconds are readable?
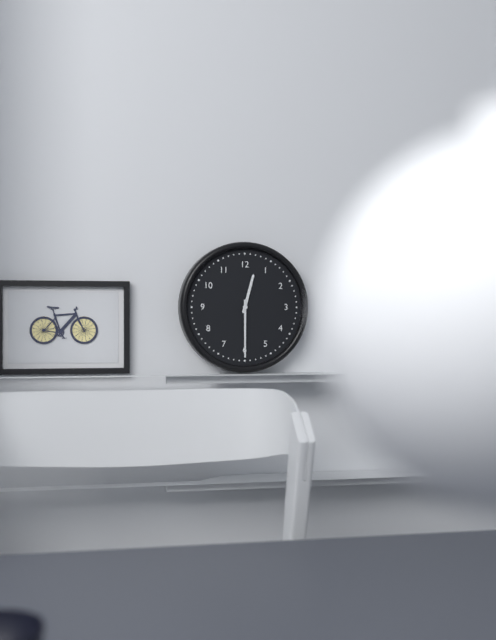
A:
**12:30**
